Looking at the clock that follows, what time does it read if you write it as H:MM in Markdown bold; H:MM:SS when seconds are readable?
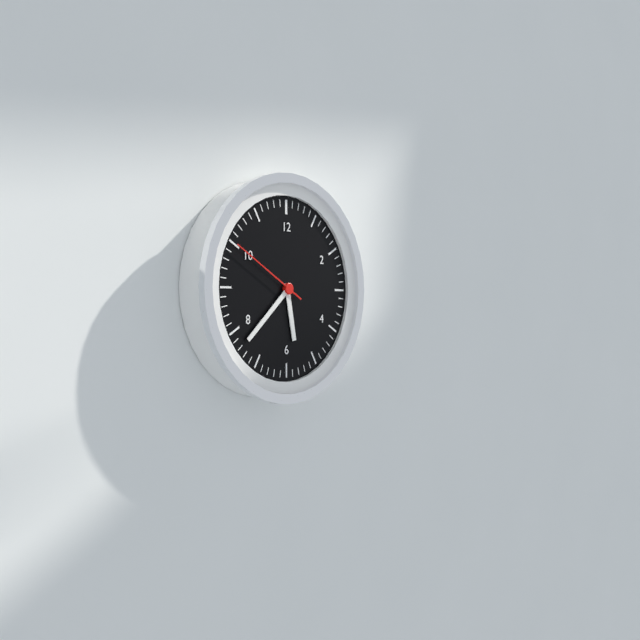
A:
**5:38:50**
